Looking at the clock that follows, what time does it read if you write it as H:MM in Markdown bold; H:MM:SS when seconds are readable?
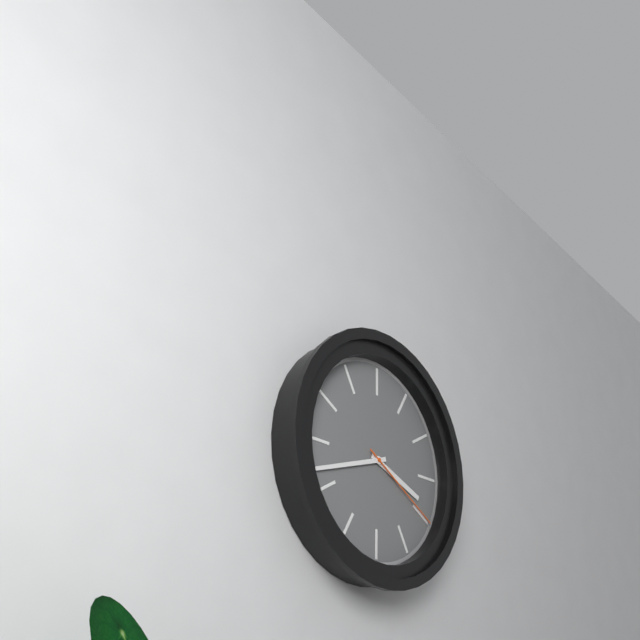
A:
**3:42:20**
